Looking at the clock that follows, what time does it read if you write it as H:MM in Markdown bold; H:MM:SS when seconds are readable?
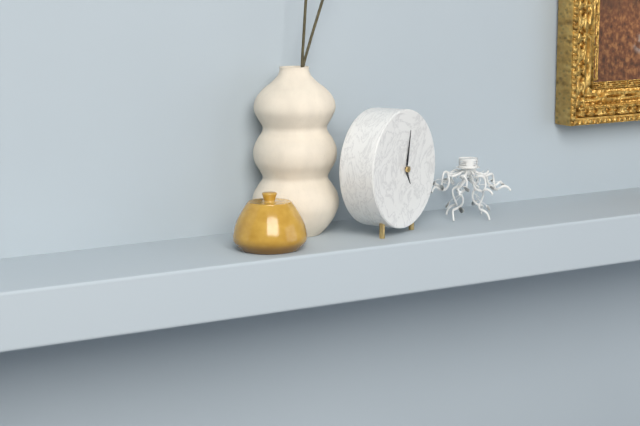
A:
**5:02**
